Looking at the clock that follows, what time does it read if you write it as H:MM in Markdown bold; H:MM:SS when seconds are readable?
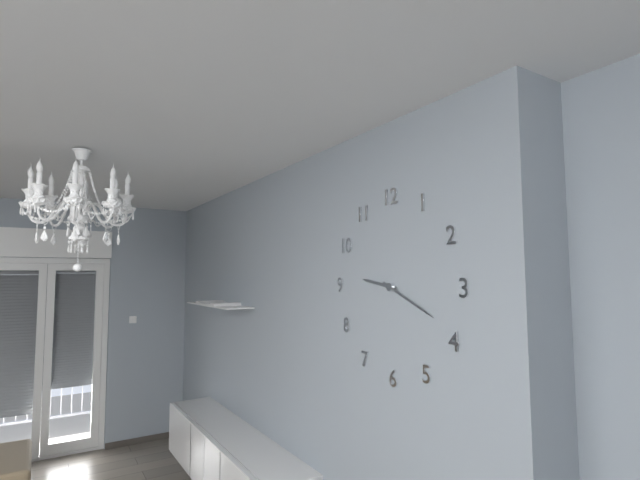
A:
**9:19**
